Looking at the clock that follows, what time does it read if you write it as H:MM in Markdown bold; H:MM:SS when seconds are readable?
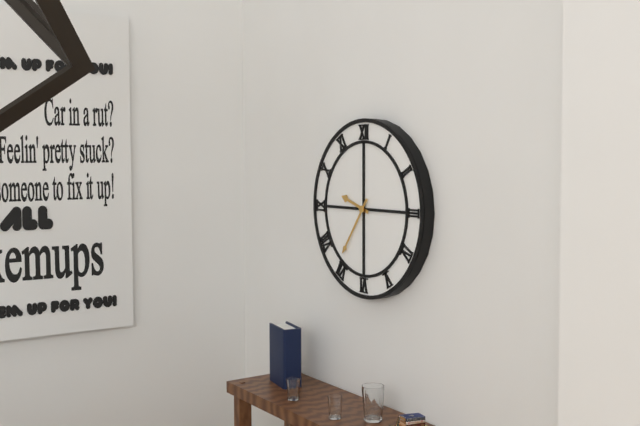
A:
**9:36**
